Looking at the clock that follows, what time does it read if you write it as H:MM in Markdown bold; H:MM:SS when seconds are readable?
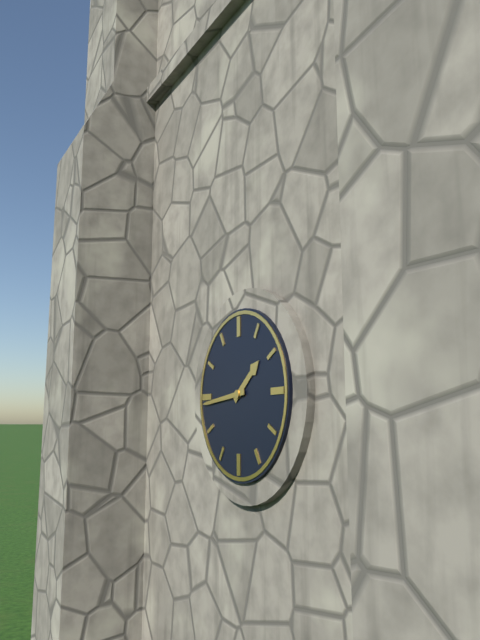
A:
**1:44**
